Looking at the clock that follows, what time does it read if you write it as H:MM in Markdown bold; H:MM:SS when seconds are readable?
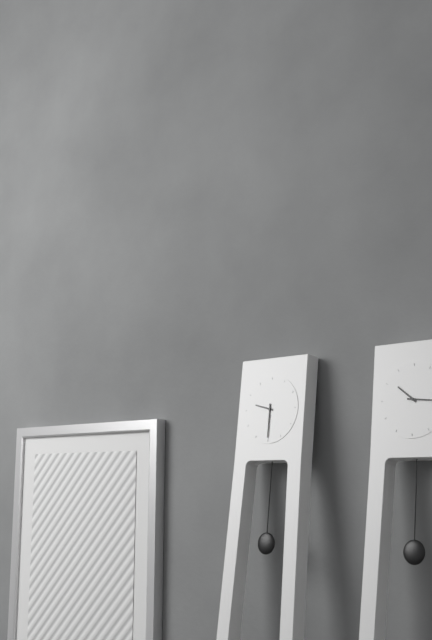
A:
**9:30**
